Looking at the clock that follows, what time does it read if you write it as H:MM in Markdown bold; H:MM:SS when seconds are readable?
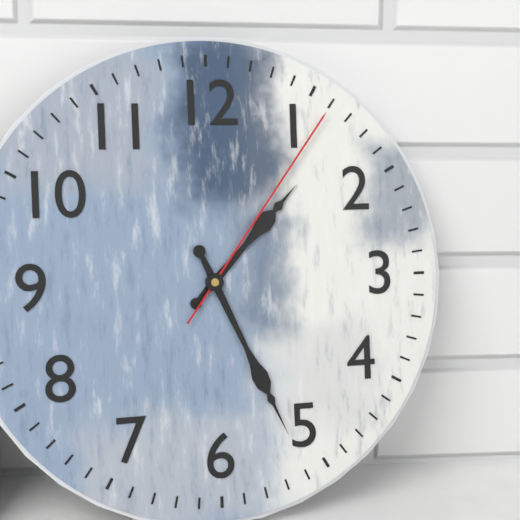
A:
**1:26:06**
